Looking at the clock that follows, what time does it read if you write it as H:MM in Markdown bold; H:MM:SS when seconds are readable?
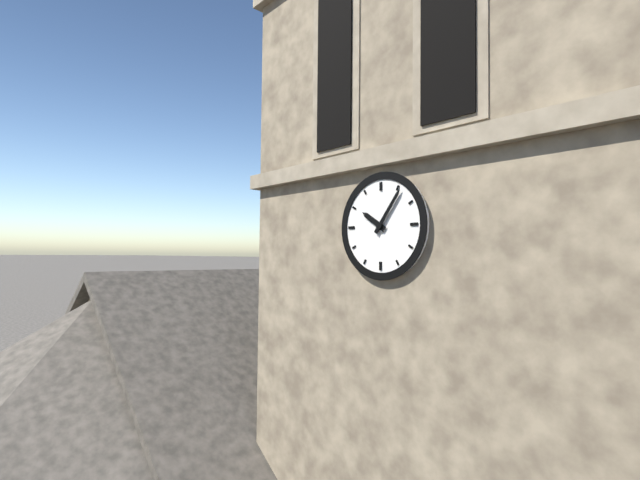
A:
**10:06**
